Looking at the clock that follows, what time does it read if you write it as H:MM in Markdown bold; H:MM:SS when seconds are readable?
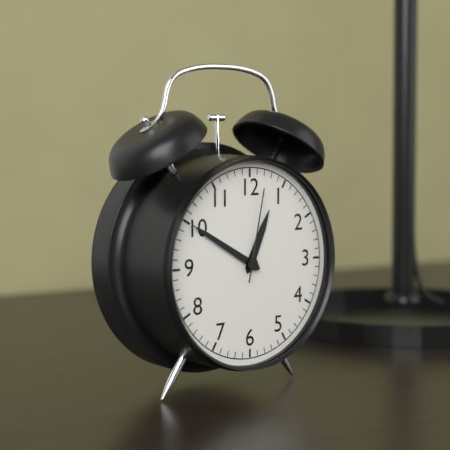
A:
**12:50:02**
